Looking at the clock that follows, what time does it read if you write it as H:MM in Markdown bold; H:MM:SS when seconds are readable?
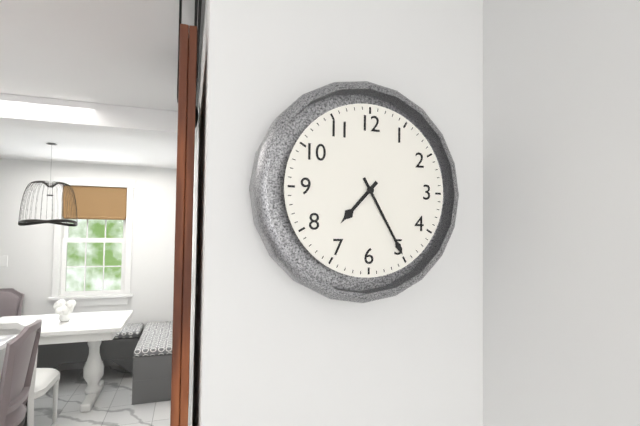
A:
**7:25**
